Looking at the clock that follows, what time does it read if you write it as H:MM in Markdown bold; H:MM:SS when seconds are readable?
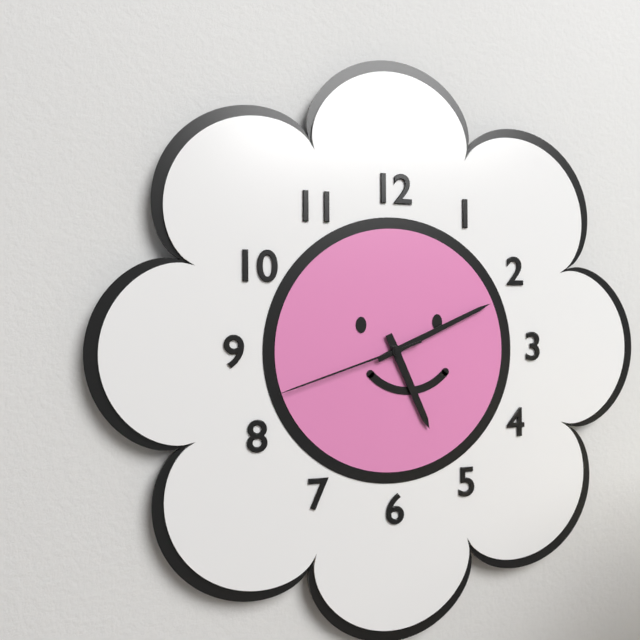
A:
**5:11:42**
